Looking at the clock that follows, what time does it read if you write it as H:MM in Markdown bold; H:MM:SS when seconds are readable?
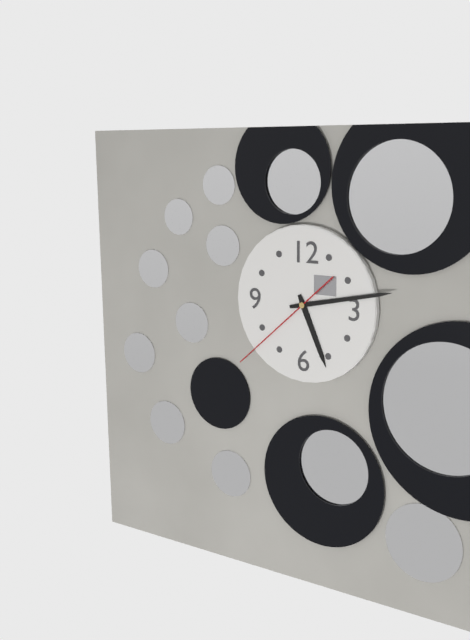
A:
**5:13:38**
